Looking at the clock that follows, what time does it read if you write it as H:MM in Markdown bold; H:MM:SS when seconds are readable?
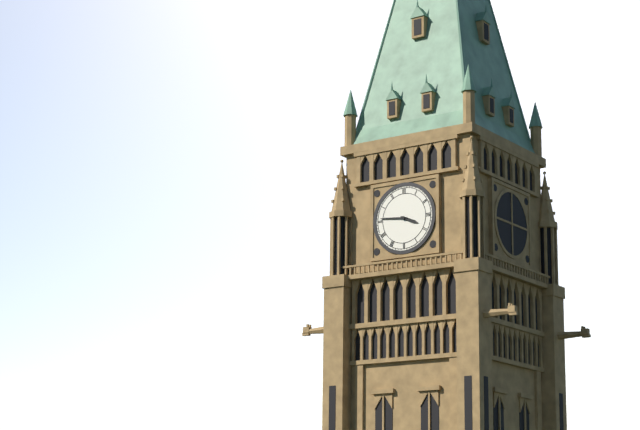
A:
**3:46**
